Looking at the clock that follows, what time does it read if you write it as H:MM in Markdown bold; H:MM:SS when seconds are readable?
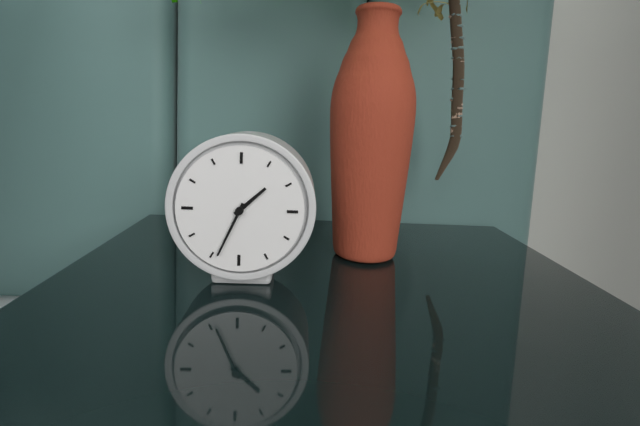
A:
**1:34**
